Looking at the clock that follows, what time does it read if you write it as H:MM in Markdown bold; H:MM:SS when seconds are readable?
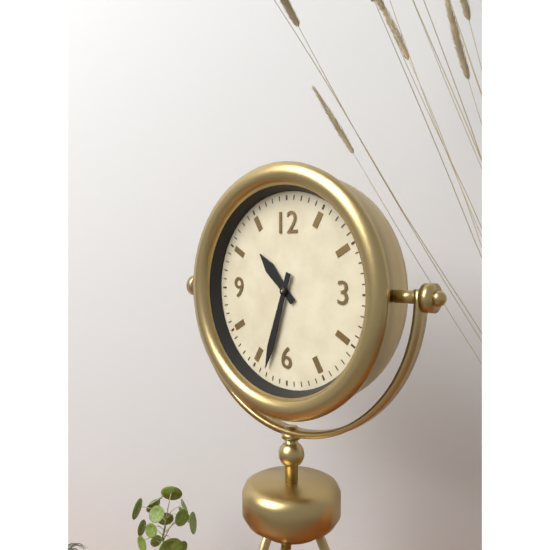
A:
**10:33**
